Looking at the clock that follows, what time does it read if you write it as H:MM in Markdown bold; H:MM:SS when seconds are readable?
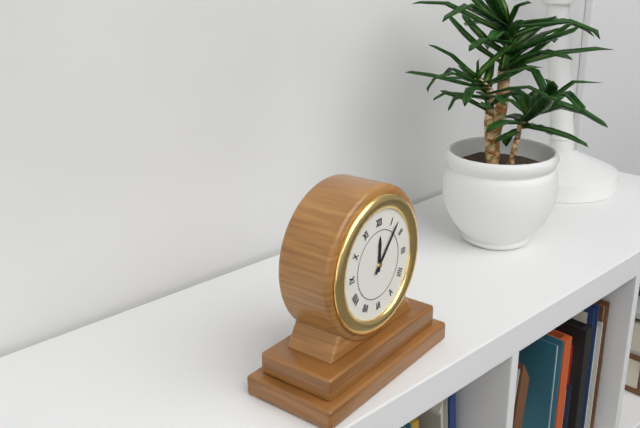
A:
**12:07**
